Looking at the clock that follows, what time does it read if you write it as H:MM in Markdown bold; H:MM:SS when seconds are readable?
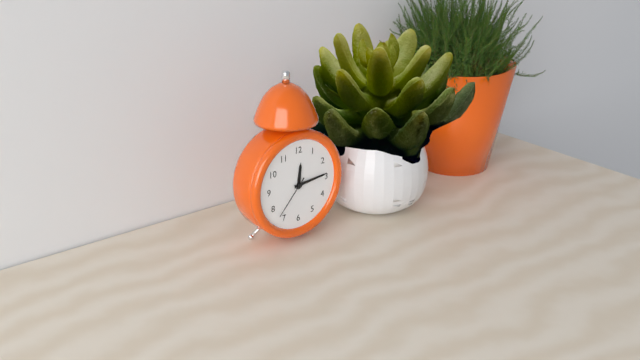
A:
**12:14**
